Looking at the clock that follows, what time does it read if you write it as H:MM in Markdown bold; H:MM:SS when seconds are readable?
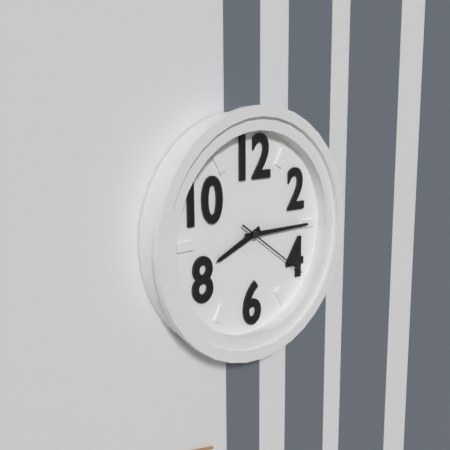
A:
**8:15:21**
